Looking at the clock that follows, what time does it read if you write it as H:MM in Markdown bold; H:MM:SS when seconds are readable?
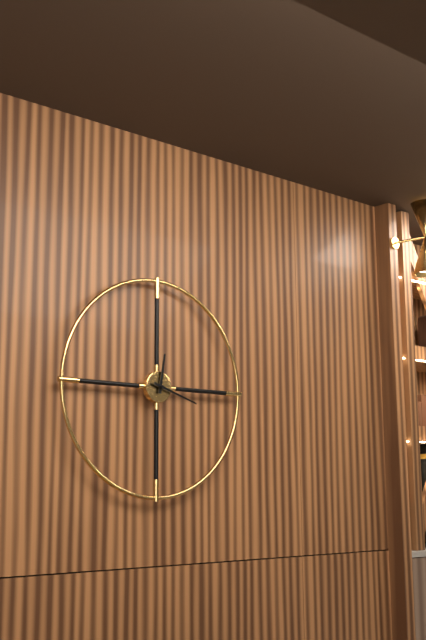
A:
**12:18**
